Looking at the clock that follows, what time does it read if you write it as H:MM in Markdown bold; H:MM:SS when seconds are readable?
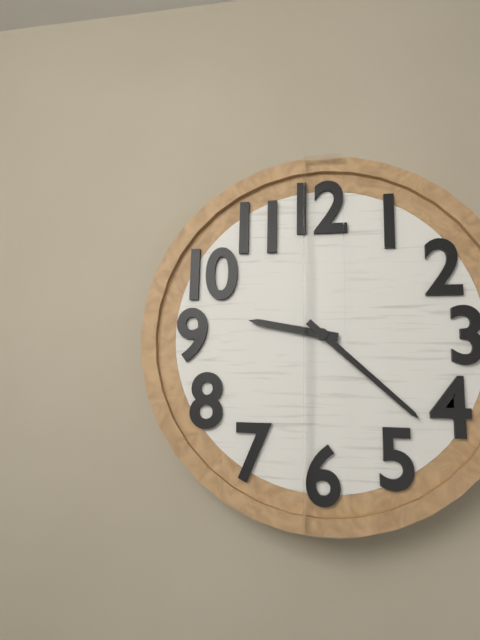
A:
**9:22**
